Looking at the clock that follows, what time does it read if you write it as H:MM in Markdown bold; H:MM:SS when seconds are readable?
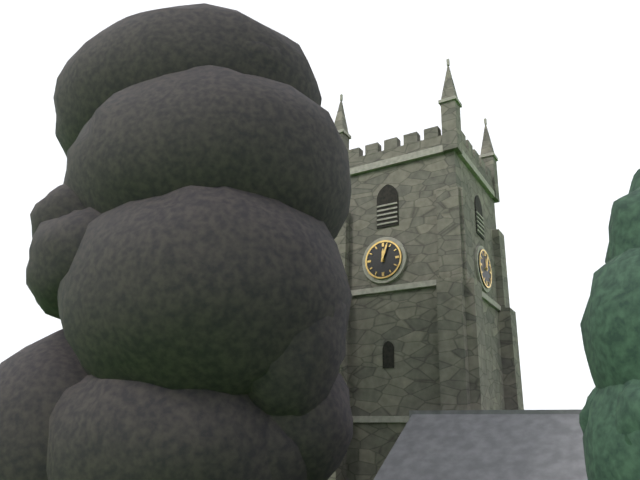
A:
**12:03**
